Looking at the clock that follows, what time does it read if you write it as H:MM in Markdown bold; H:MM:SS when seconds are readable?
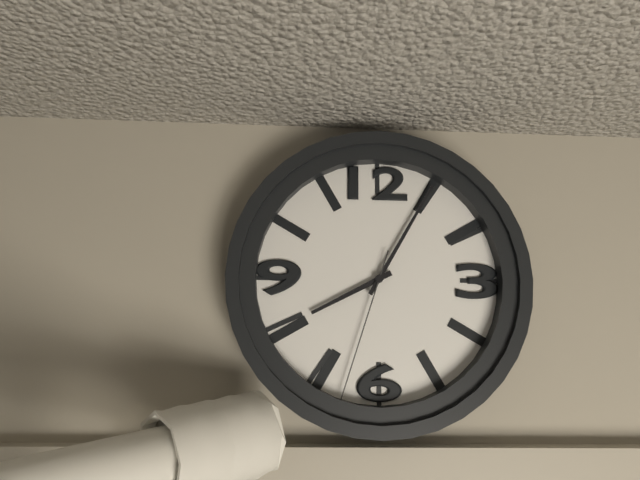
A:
**8:05:33**
